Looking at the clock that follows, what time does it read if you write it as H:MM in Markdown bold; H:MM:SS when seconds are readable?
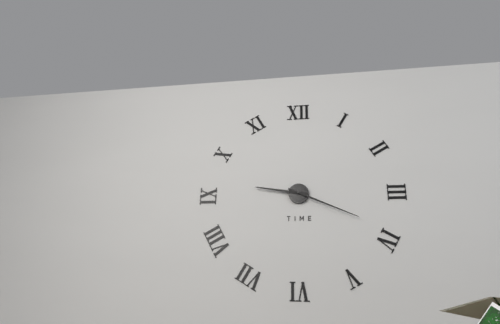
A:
**9:19**
